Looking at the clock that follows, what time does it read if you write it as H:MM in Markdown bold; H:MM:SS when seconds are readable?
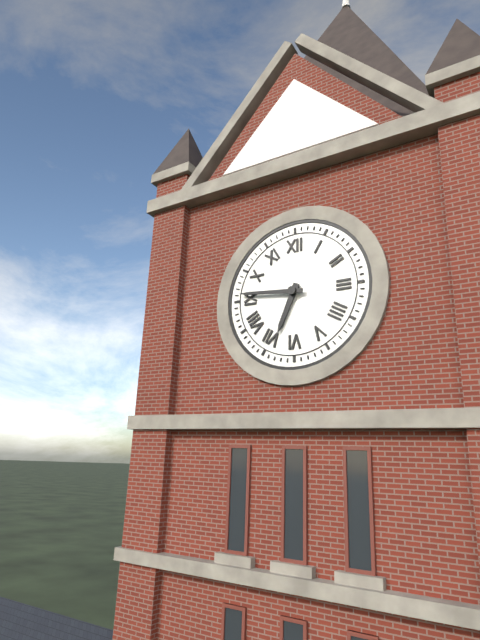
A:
**6:46**
